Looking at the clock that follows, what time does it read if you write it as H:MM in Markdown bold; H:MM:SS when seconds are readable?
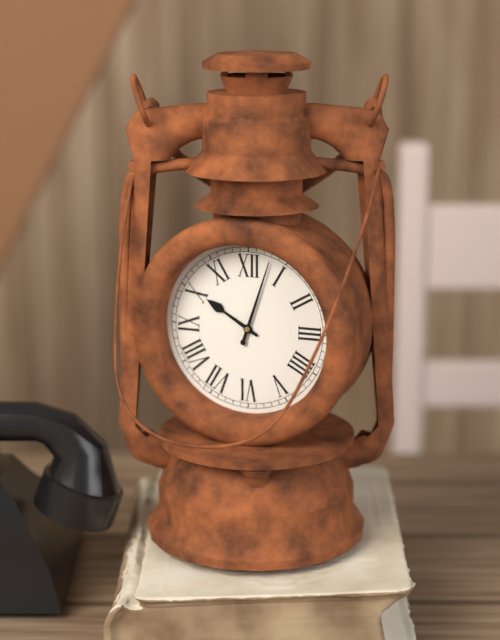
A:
**10:03**
